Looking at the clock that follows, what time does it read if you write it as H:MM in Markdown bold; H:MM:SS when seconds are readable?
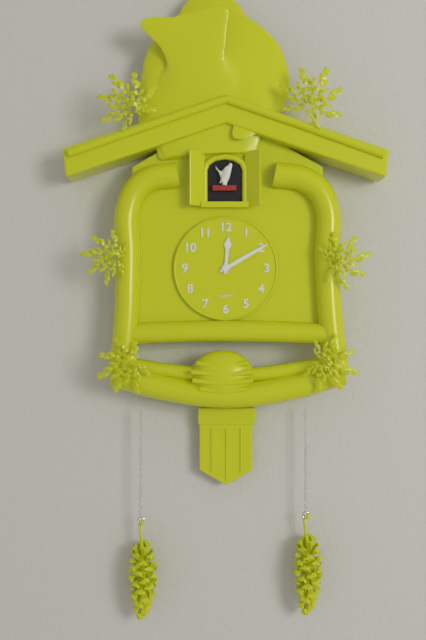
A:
**12:10**
